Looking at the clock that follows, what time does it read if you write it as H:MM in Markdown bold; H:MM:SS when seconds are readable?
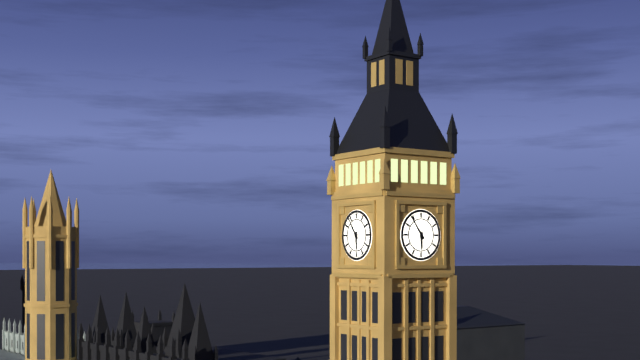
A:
**5:54**
